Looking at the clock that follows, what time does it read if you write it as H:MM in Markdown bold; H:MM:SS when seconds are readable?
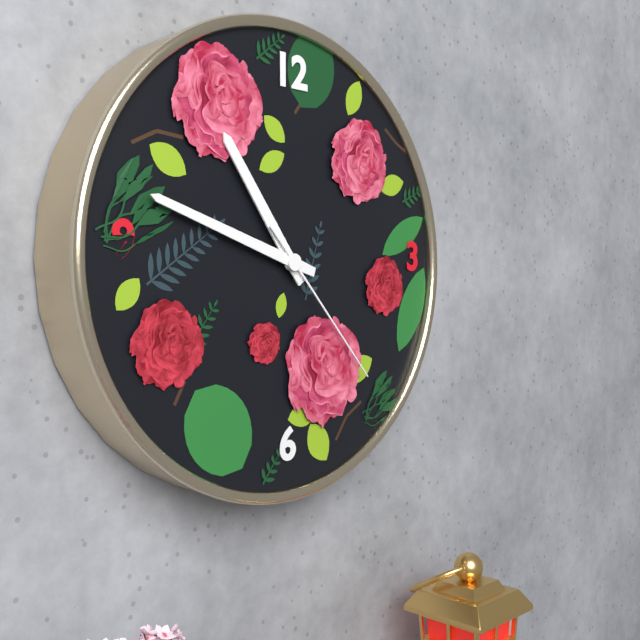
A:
**10:48:23**
